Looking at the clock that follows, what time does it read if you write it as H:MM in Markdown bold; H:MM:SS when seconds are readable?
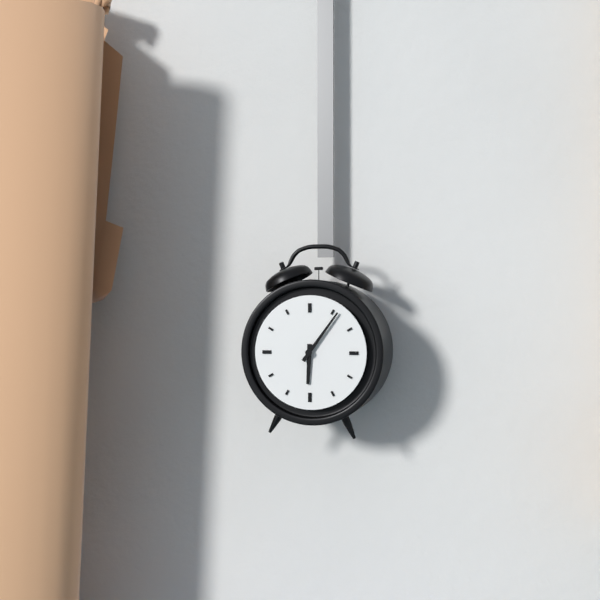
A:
**6:06**
